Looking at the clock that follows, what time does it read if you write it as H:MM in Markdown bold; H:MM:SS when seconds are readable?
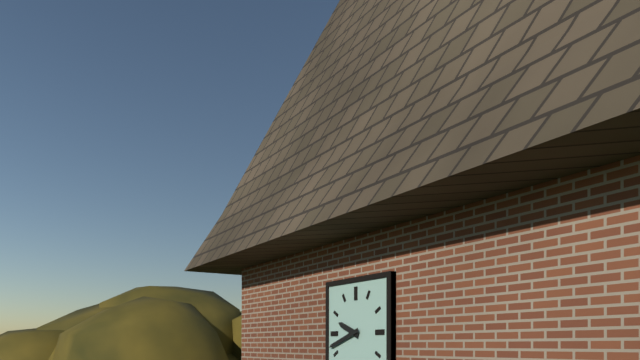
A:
**9:42**
